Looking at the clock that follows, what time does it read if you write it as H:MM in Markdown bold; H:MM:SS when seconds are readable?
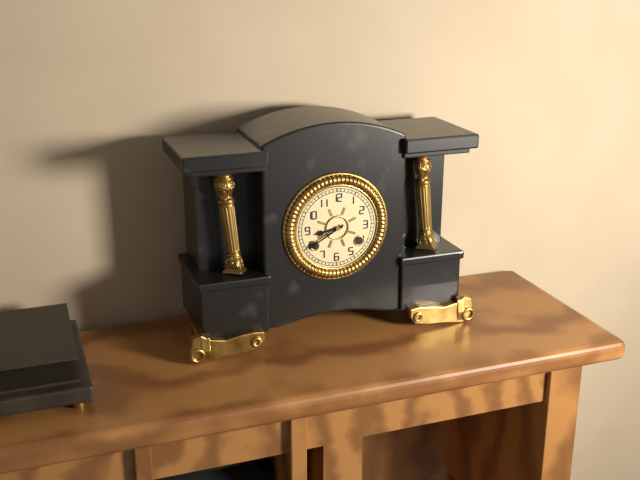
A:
**8:40**
